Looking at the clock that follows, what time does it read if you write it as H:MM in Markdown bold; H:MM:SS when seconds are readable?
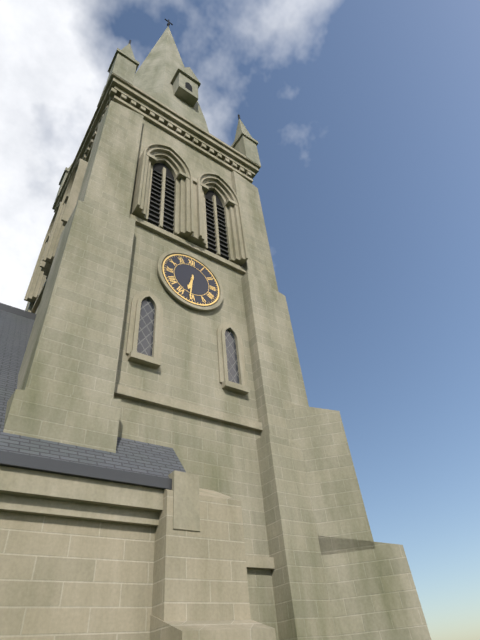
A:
**6:31**
